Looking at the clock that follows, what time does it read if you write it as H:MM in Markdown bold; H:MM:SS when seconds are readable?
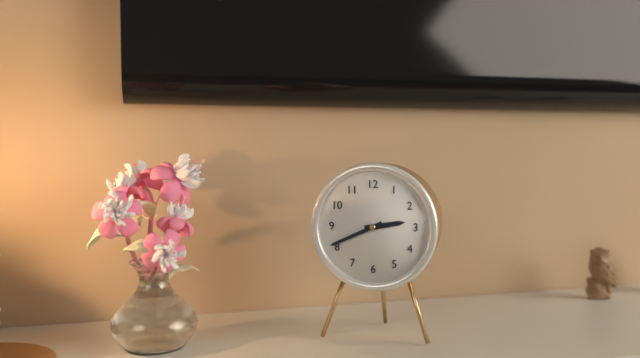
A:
**2:41**
